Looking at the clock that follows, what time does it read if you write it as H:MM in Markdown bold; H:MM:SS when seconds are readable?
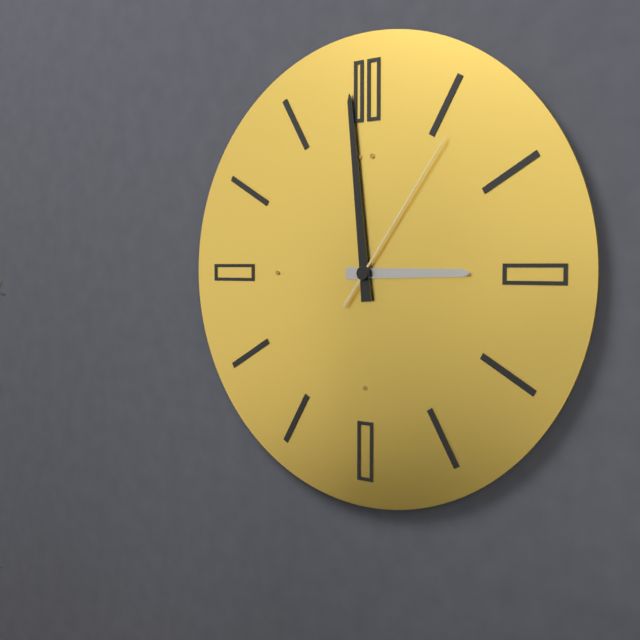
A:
**2:59:06**
